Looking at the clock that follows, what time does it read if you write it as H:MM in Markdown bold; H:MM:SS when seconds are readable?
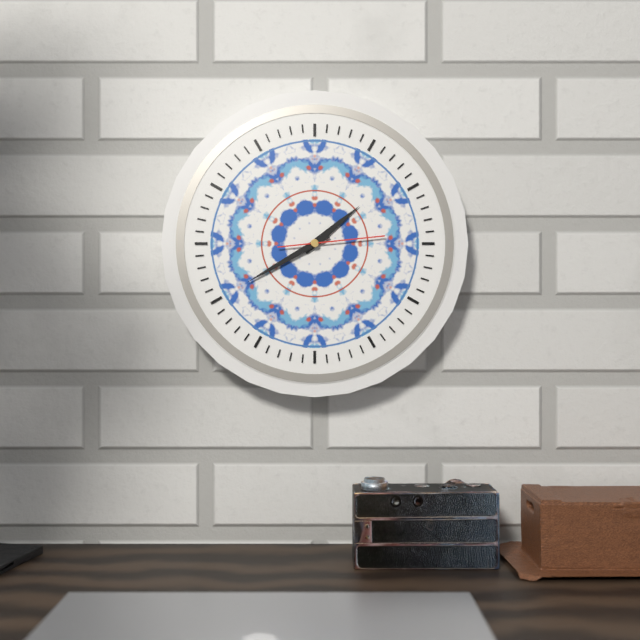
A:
**1:40:14**
